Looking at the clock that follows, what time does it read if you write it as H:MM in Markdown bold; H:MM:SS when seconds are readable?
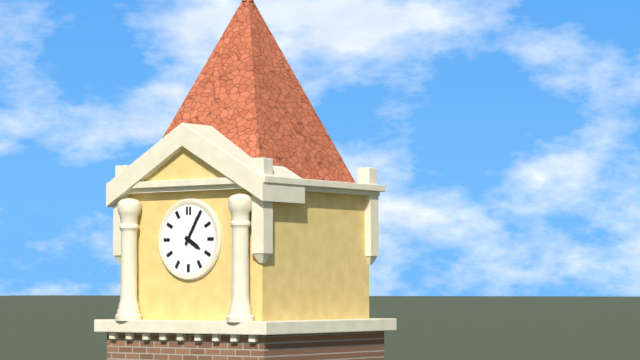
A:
**4:05**
